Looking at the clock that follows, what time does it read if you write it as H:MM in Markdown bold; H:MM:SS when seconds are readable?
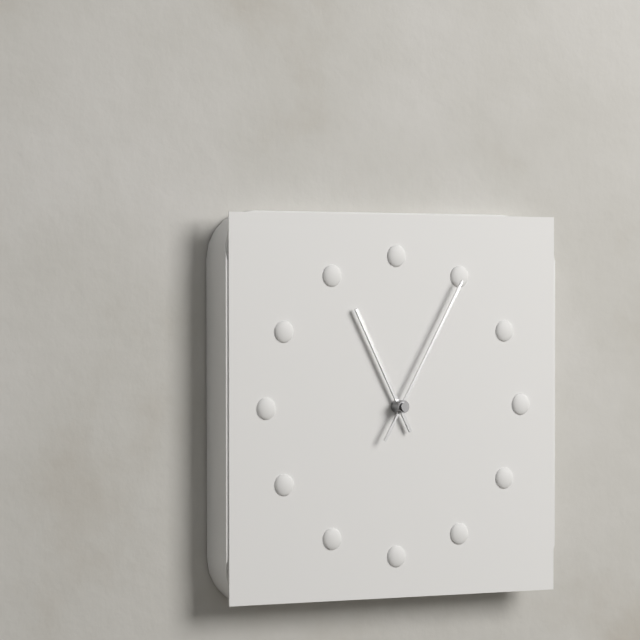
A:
**11:05**
